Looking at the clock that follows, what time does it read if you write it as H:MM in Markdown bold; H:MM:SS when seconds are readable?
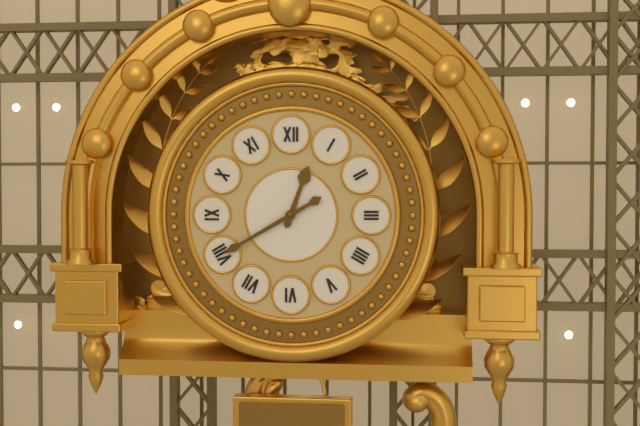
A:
**12:40**
